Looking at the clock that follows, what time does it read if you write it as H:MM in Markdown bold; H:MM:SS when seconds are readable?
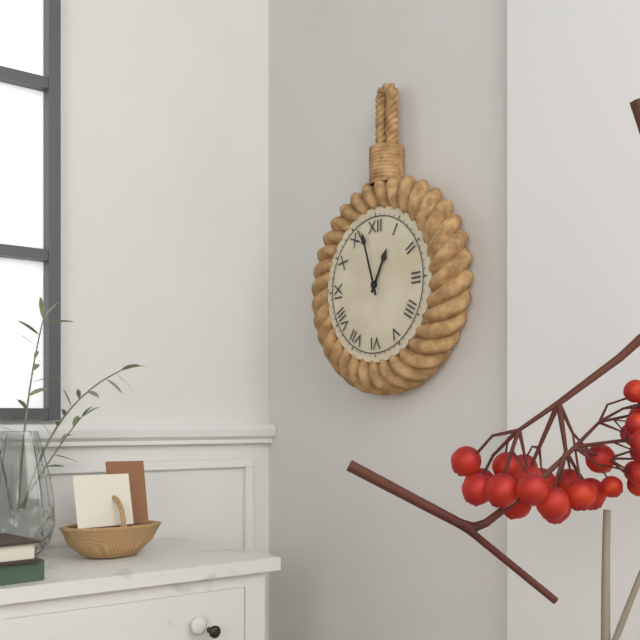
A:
**12:57**
